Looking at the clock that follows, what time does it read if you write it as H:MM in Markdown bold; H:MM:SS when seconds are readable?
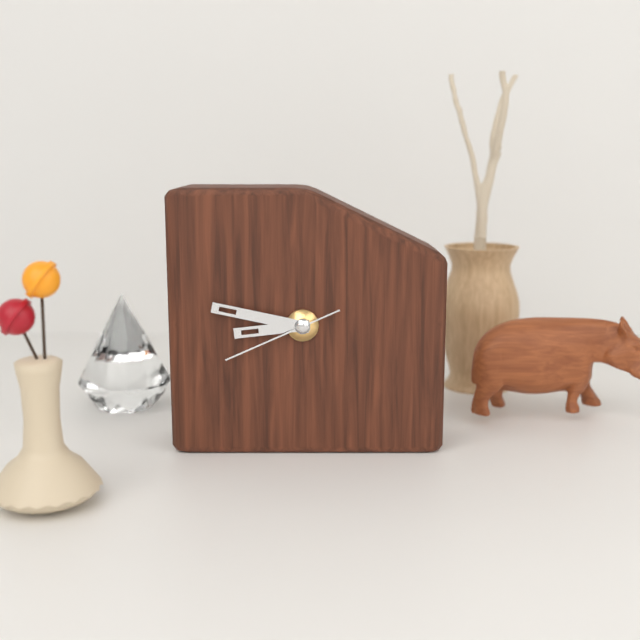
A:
**8:47:41**
